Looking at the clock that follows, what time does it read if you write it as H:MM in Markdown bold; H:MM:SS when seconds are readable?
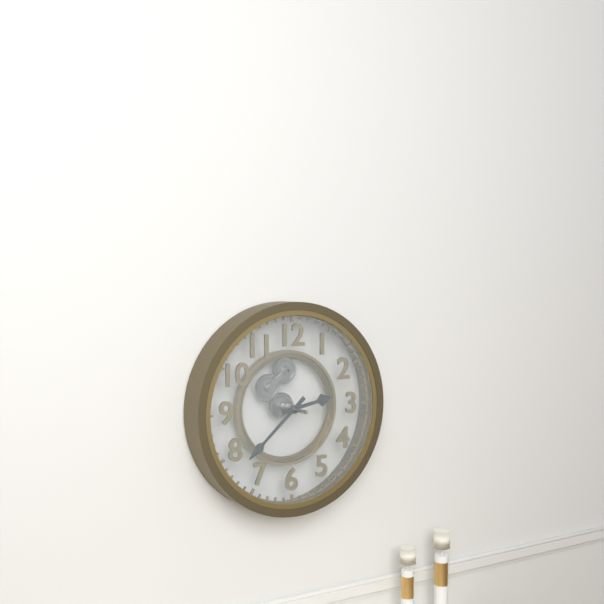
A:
**2:38**
